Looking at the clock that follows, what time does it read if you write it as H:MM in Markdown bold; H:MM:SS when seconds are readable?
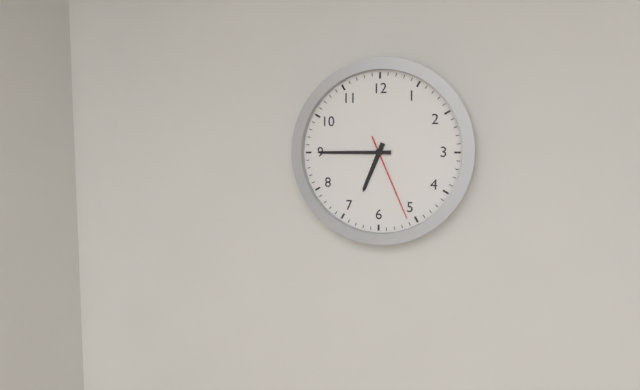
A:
**6:45:26**
